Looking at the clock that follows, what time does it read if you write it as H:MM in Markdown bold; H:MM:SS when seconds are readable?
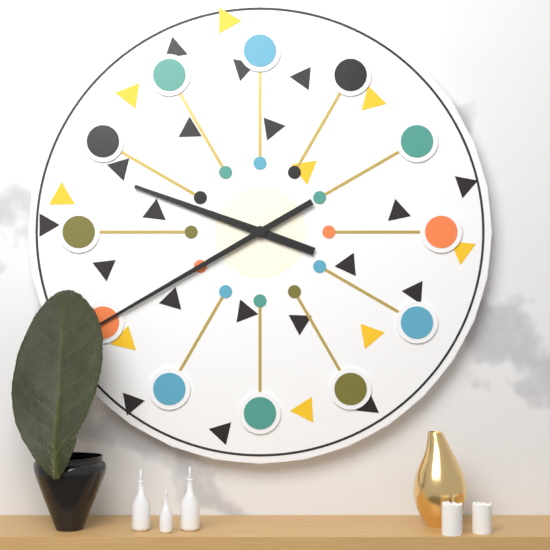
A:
**9:40**
